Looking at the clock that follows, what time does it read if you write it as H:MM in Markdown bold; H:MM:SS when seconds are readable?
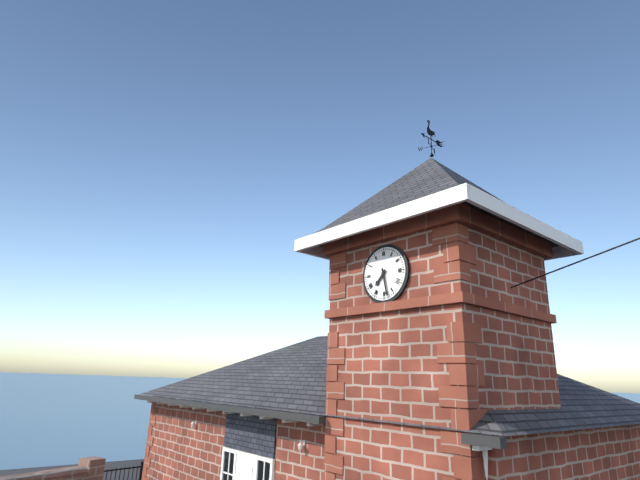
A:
**7:28**
